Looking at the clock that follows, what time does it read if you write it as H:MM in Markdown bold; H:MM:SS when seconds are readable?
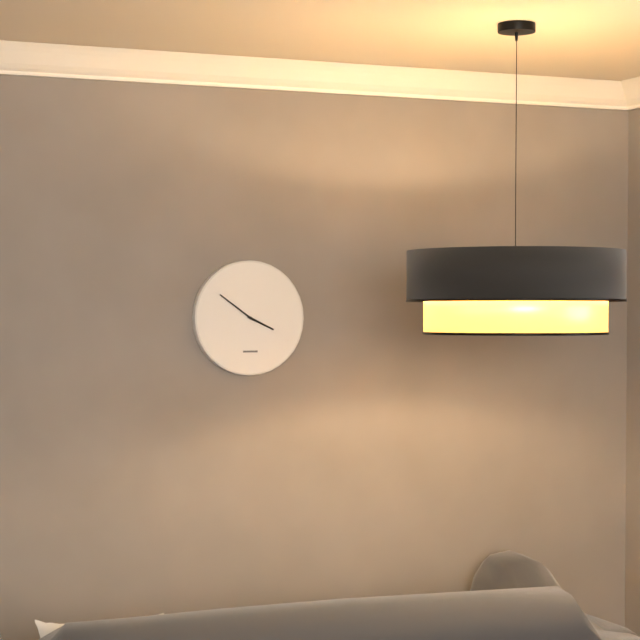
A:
**3:51**
